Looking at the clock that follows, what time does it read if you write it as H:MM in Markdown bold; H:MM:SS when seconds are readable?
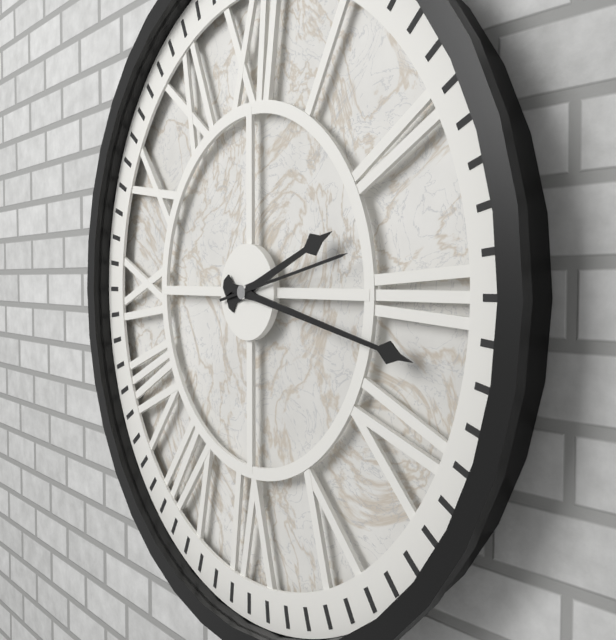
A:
**2:17:13**
